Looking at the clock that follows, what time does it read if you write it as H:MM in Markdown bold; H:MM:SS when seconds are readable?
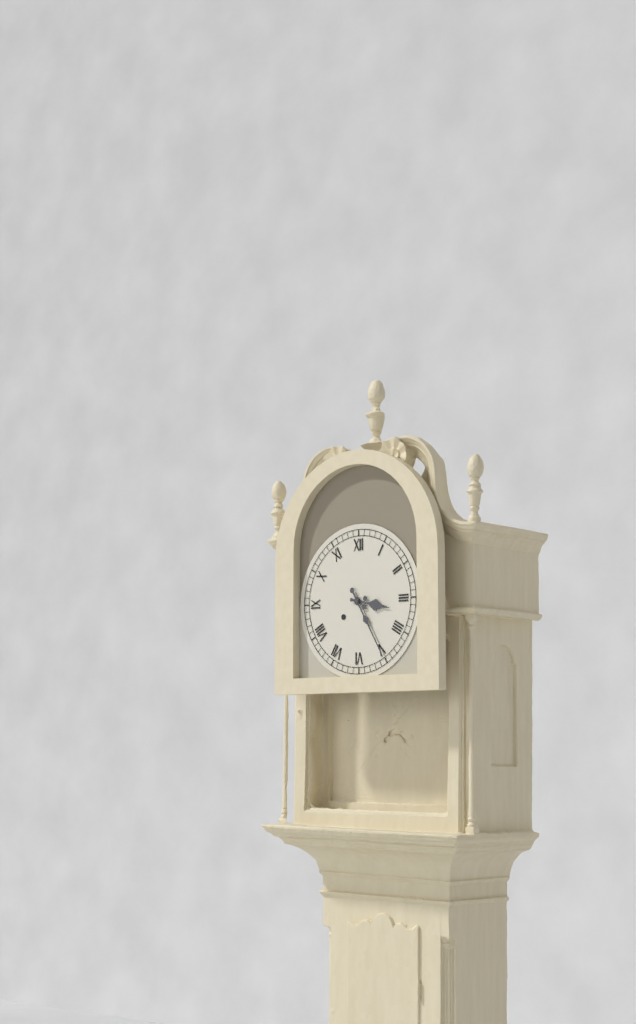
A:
**3:25**
